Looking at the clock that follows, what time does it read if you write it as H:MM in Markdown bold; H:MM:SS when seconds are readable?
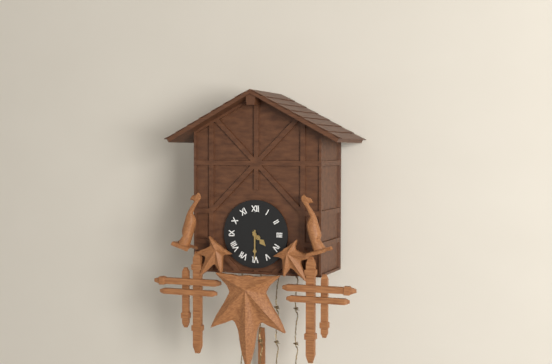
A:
**4:30**
